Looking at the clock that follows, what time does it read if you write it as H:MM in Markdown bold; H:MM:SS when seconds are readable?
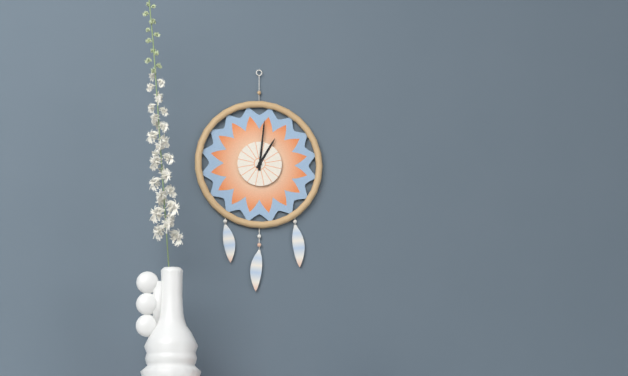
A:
**1:01**
